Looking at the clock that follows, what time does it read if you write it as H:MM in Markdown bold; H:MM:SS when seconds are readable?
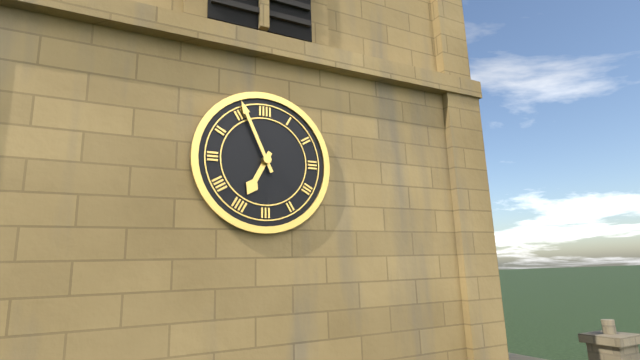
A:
**6:56**
